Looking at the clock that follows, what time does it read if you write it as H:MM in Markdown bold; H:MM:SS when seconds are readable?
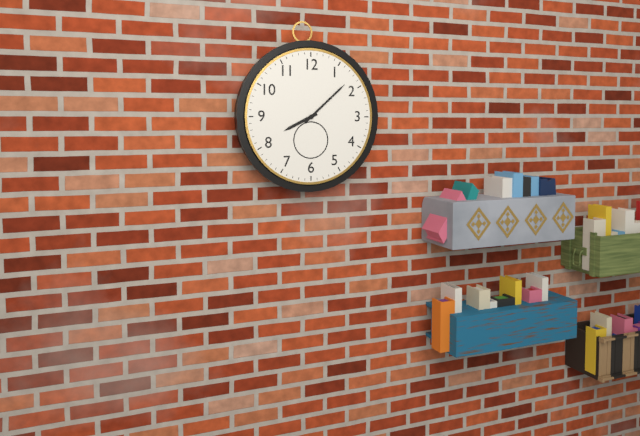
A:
**8:08**
